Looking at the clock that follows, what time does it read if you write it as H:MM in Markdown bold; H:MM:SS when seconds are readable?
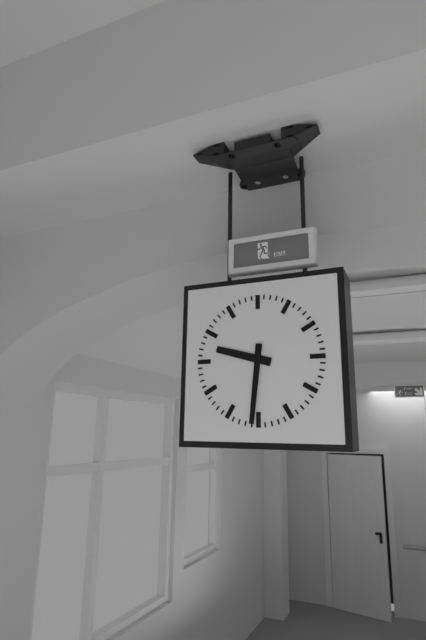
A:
**9:31**
